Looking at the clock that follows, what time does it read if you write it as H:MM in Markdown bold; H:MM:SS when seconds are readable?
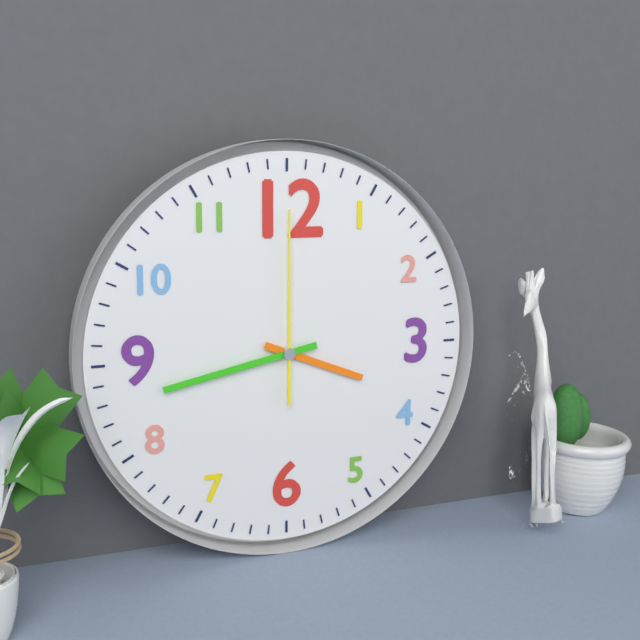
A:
**3:43:00**
